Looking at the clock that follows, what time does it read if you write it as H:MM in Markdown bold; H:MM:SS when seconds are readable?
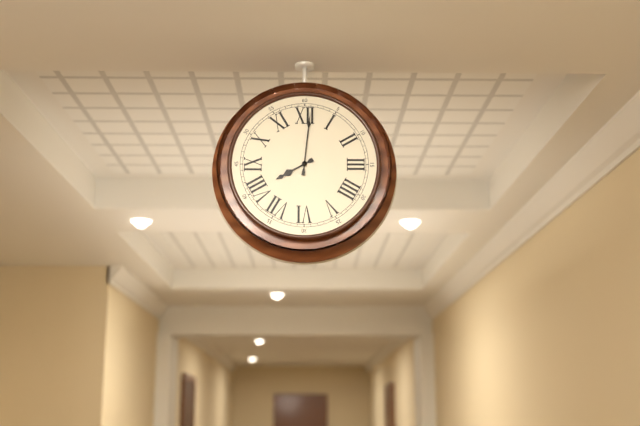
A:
**8:01**
